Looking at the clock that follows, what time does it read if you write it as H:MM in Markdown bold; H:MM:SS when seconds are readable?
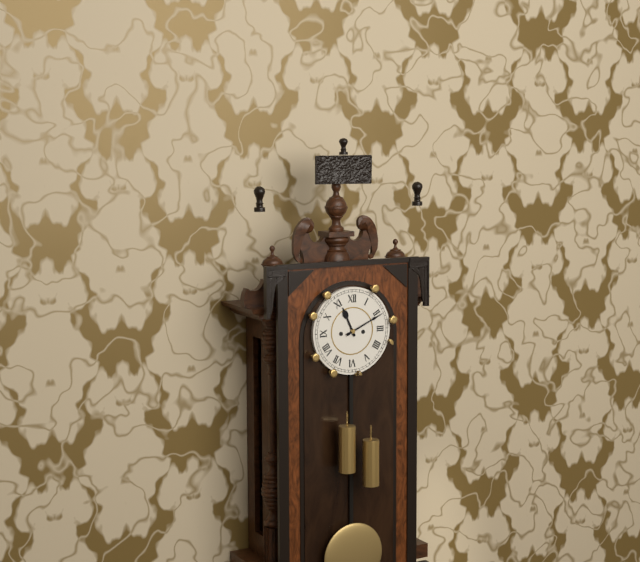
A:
**11:11**
